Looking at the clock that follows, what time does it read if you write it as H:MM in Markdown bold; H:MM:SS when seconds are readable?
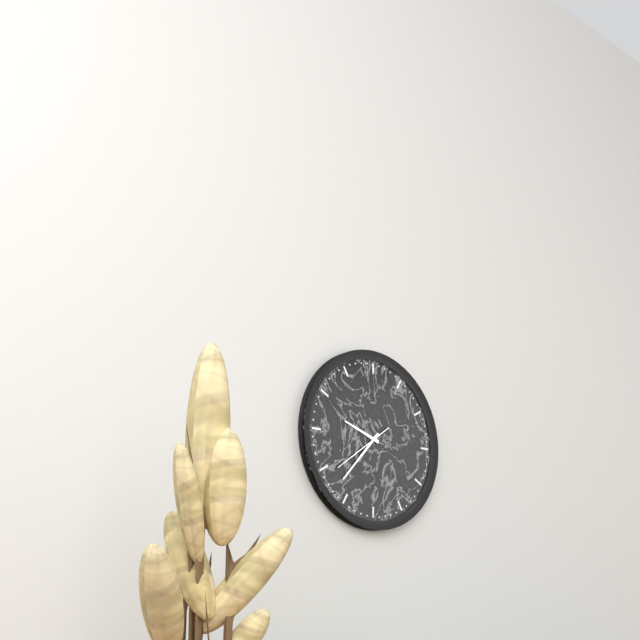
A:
**9:37:39**
